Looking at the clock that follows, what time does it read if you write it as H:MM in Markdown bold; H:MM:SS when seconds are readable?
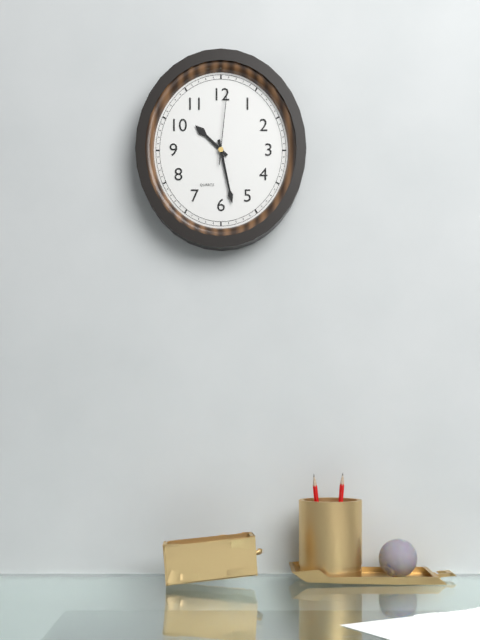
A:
**10:28:01**
